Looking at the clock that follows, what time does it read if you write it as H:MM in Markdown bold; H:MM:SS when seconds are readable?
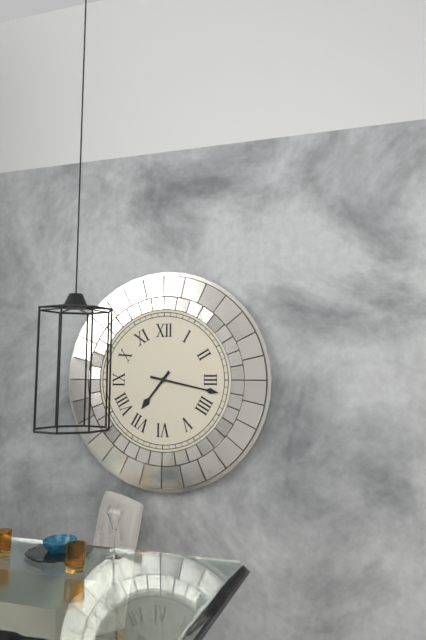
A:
**7:17**
